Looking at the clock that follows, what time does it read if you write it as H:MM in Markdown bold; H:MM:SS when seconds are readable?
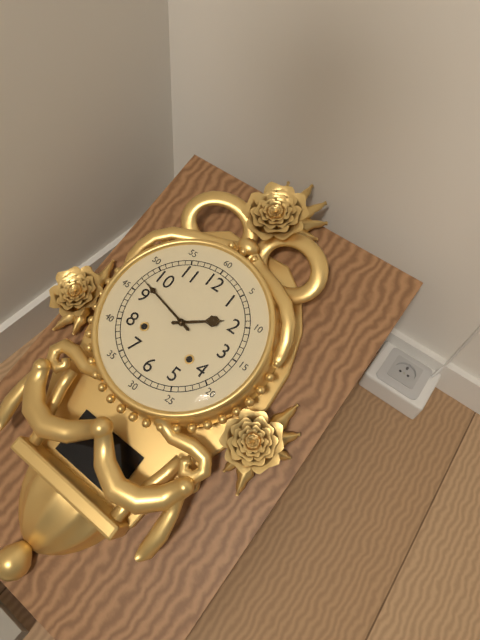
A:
**1:47**
